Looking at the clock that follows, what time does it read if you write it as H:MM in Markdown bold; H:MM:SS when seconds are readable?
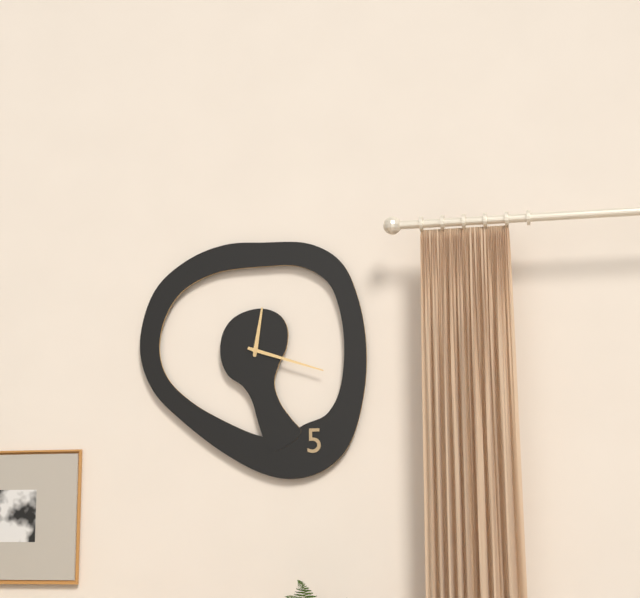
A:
**12:18**
